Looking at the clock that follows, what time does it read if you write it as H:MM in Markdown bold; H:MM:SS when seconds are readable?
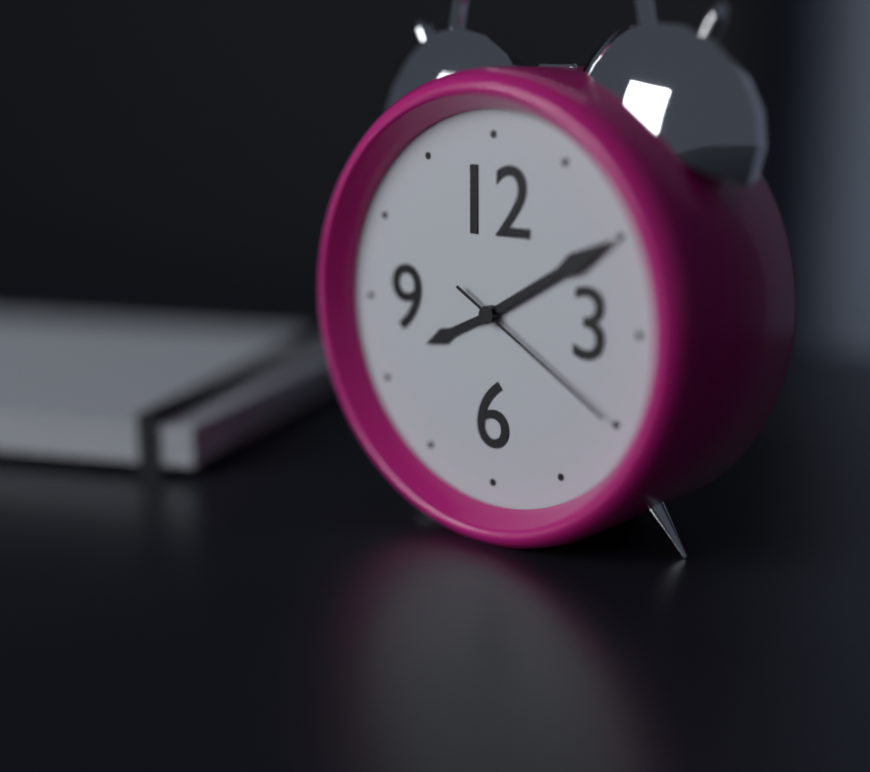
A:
**8:10:20**
